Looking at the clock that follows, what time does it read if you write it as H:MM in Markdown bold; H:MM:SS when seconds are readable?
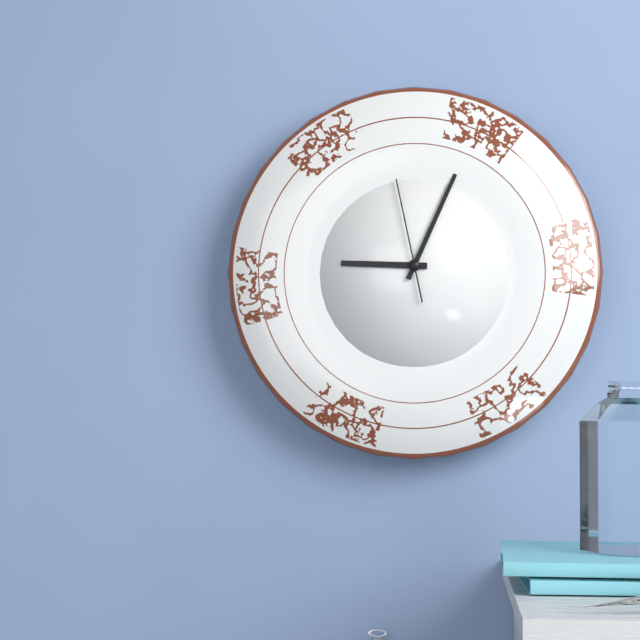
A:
**9:04:58**
